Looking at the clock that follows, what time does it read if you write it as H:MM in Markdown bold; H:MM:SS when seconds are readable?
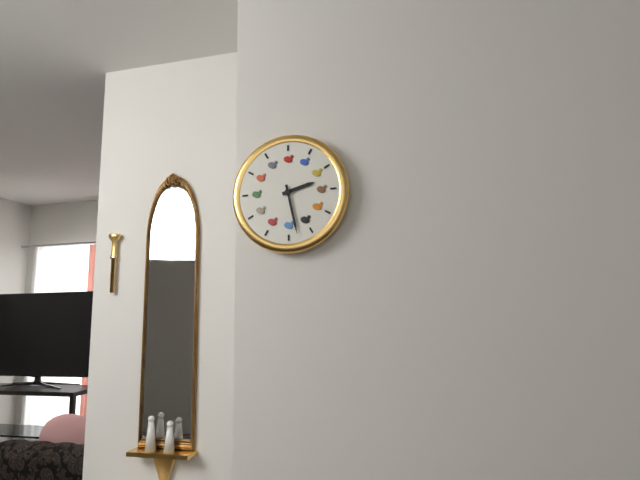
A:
**2:28**
